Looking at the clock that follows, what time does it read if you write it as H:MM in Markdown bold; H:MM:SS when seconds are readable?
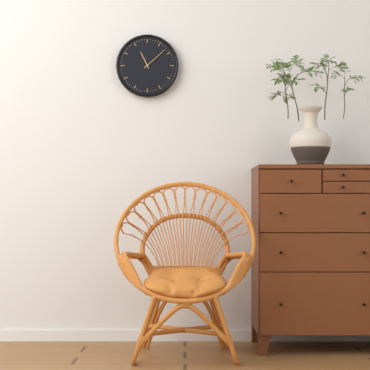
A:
**11:08**
